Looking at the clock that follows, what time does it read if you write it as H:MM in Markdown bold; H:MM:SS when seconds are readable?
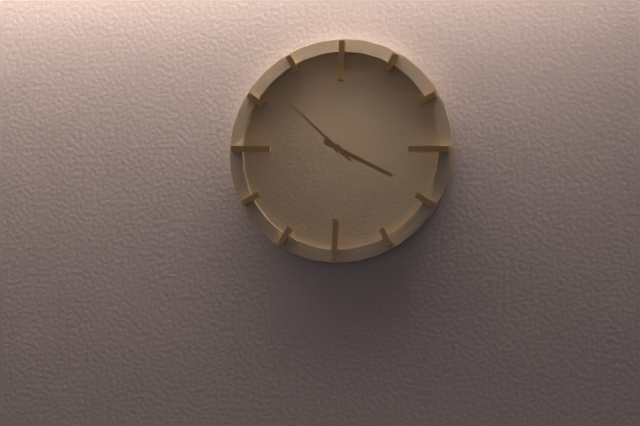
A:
**3:52**
